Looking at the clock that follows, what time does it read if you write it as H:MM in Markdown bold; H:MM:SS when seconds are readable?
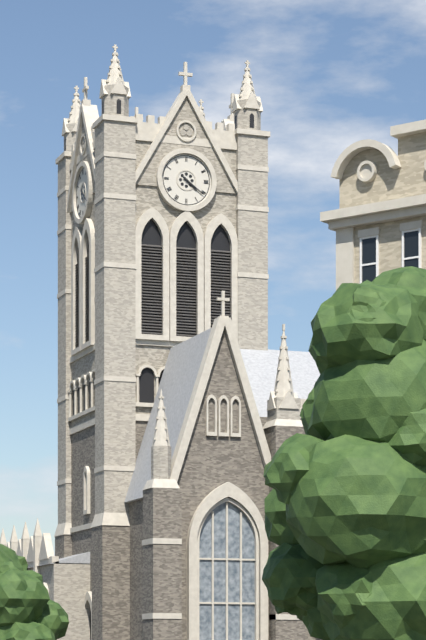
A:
**4:21**
